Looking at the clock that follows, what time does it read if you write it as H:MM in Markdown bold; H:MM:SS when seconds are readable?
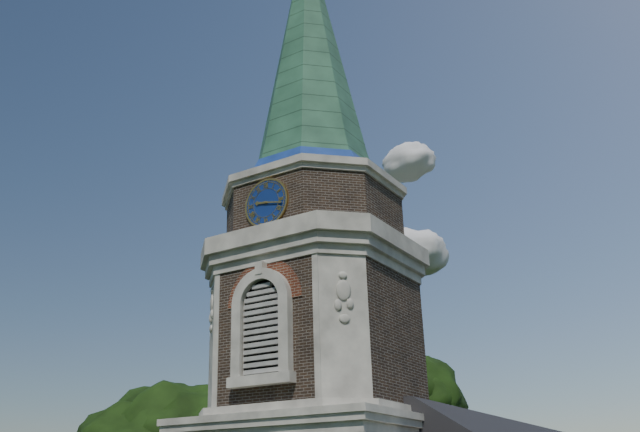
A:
**9:17**
